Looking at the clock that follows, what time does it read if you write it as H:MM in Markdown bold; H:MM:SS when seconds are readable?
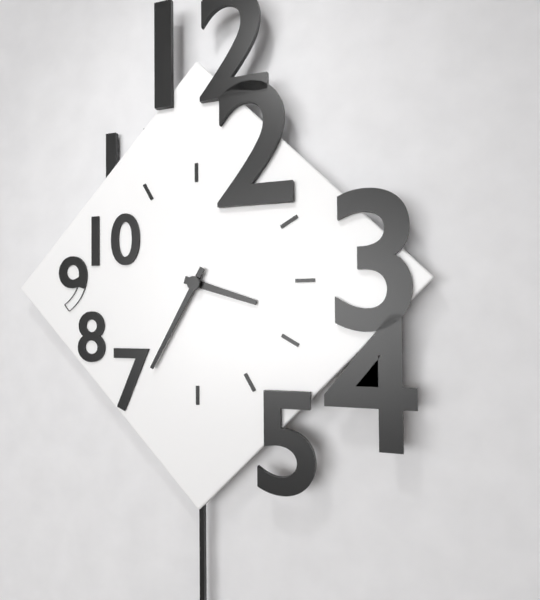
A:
**3:35**
